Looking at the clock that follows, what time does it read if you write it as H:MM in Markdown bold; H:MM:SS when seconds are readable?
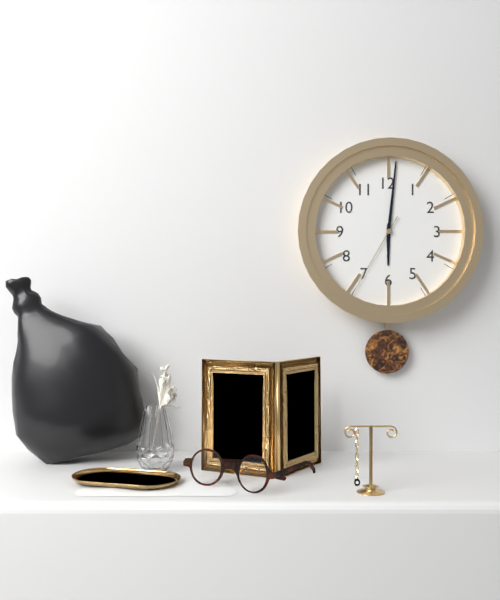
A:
**6:01:35**
